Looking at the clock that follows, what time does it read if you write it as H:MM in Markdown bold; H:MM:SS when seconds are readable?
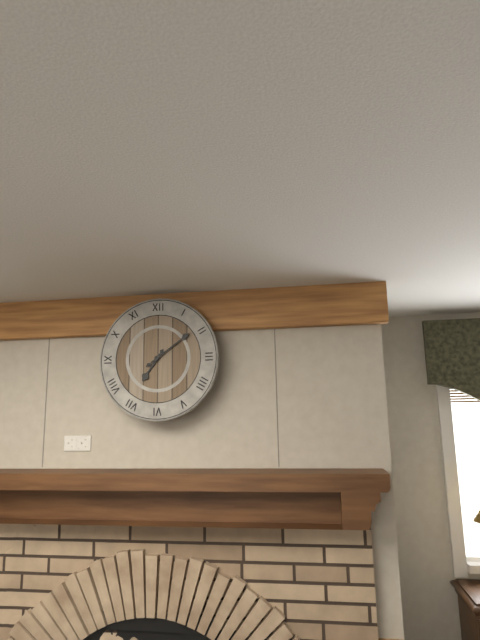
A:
**7:09**
